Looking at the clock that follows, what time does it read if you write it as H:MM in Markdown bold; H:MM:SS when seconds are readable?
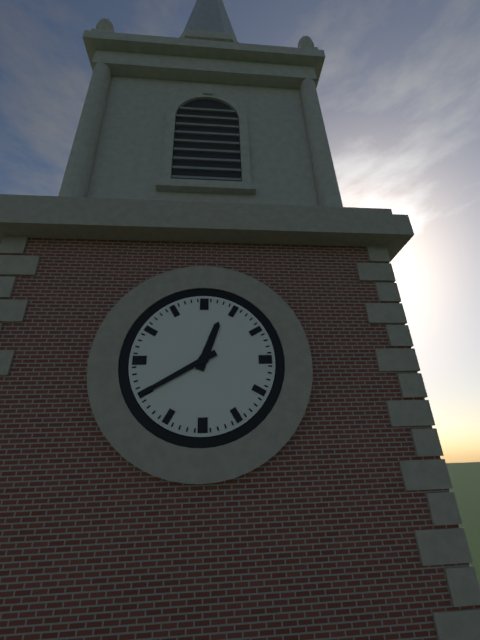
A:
**12:40**
